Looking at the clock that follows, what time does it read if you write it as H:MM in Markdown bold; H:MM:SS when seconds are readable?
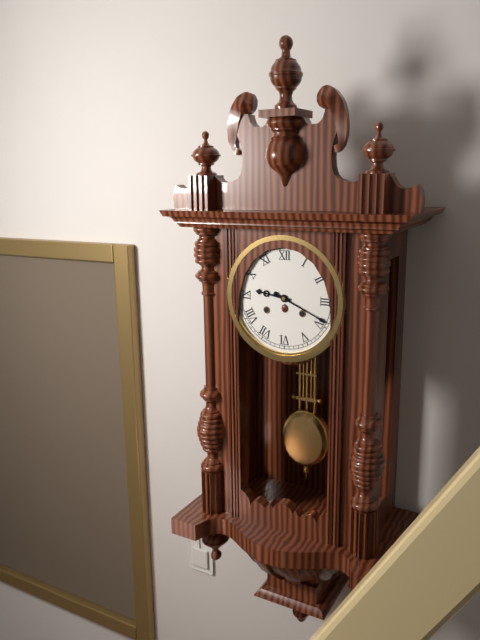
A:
**9:19**
